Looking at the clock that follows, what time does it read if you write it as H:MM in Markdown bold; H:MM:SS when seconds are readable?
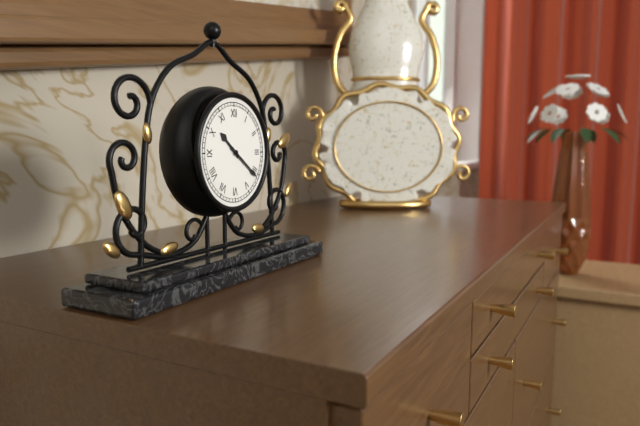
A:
**10:21**
